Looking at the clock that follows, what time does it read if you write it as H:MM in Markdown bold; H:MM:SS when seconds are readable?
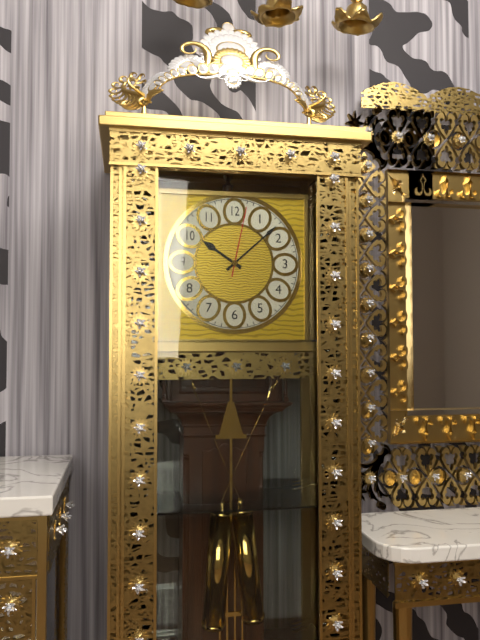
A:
**10:08:02**
